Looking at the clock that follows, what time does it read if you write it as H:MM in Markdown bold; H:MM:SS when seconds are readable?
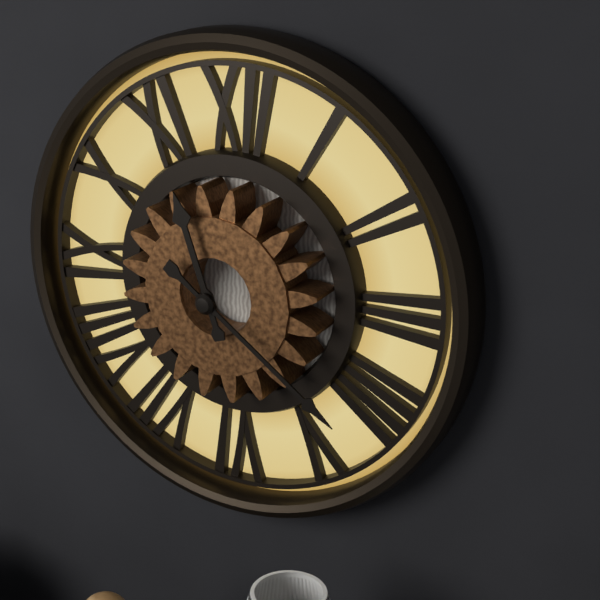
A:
**11:21**
